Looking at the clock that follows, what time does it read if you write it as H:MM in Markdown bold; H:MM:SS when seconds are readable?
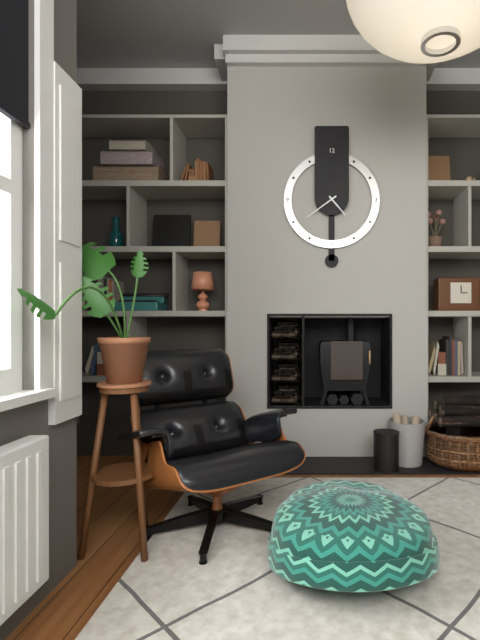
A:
**4:39**
